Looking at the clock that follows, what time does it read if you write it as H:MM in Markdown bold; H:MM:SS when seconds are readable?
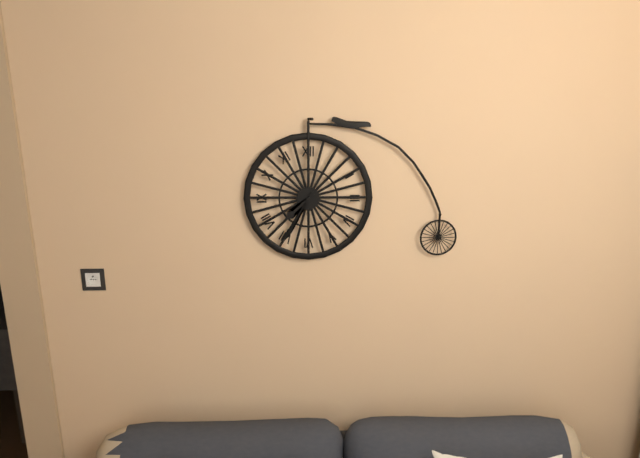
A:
**7:35**
